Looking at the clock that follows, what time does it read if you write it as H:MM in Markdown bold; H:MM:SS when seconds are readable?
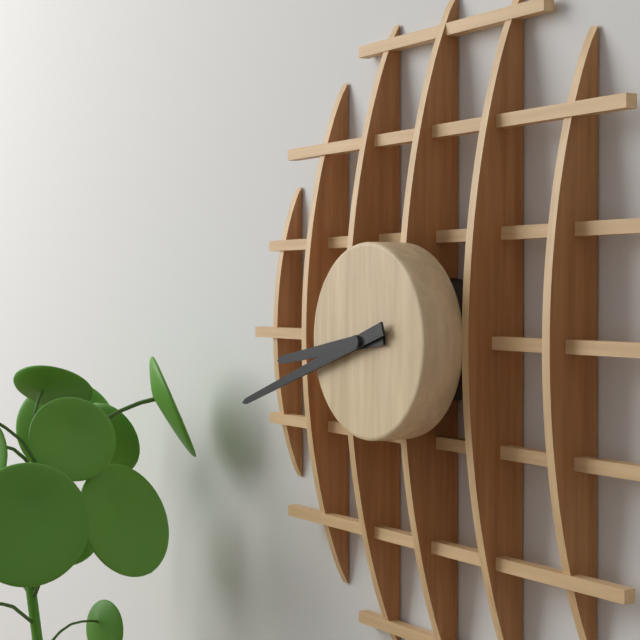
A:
**8:42**
